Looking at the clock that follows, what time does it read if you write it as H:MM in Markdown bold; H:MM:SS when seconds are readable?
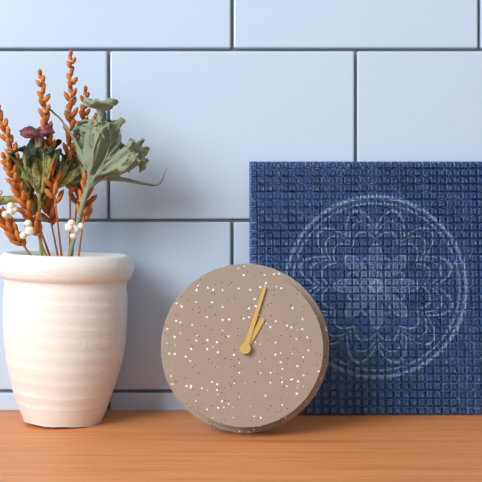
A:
**1:03**
